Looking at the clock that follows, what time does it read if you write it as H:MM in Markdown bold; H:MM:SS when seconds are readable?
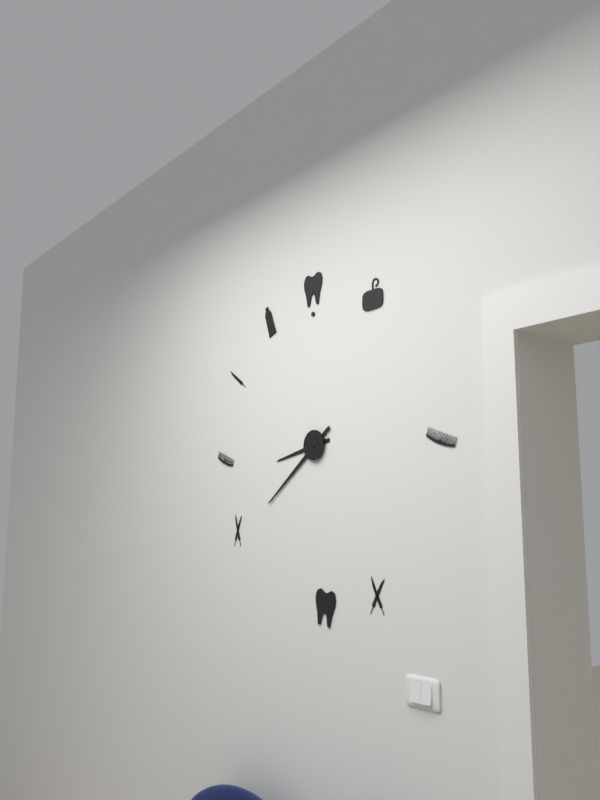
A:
**8:39**
